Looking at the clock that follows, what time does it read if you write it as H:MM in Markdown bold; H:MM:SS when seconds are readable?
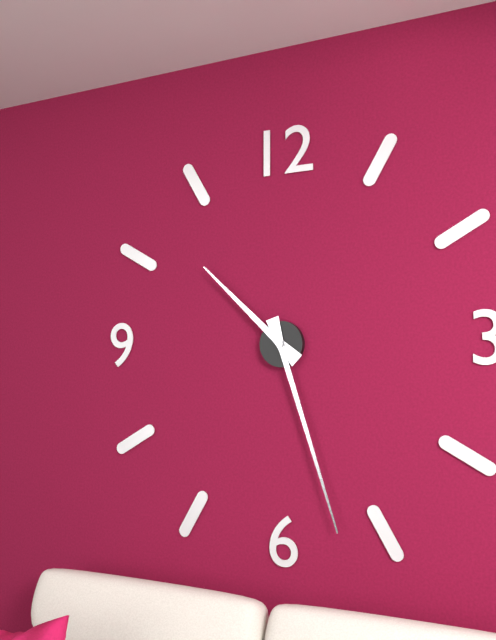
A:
**10:27**
